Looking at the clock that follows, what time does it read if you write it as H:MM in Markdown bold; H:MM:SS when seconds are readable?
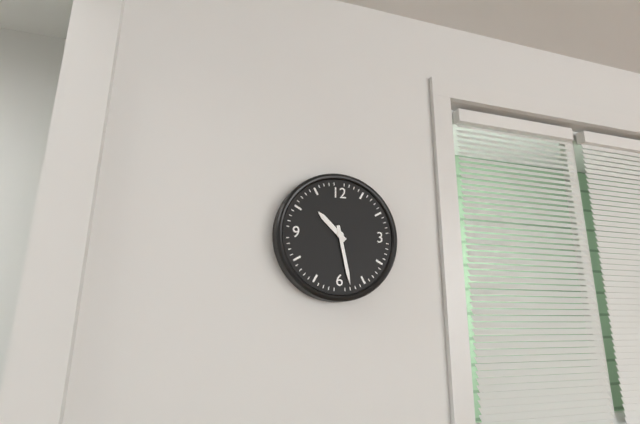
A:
**10:28**
